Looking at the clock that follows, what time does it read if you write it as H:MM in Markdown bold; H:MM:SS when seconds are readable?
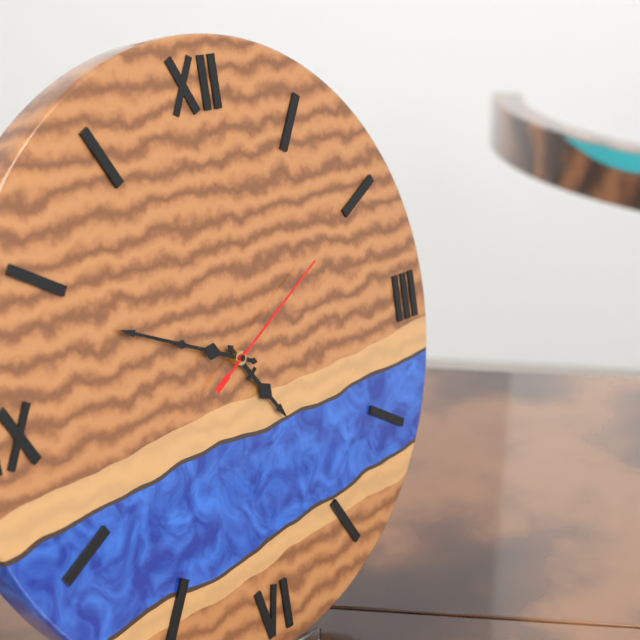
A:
**4:49:10**
